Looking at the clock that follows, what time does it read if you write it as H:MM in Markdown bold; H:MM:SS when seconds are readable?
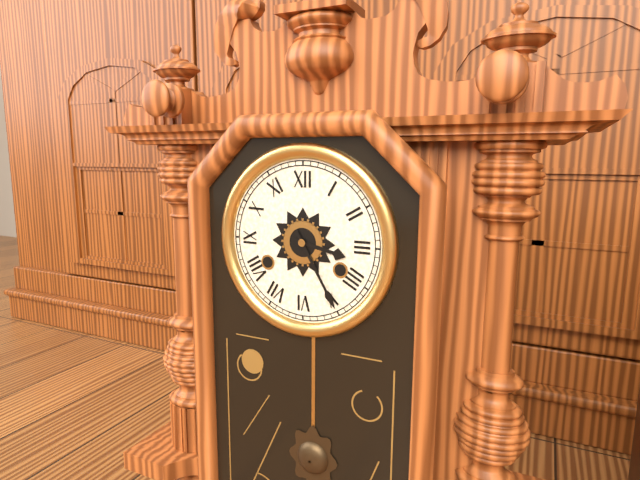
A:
**3:25**
